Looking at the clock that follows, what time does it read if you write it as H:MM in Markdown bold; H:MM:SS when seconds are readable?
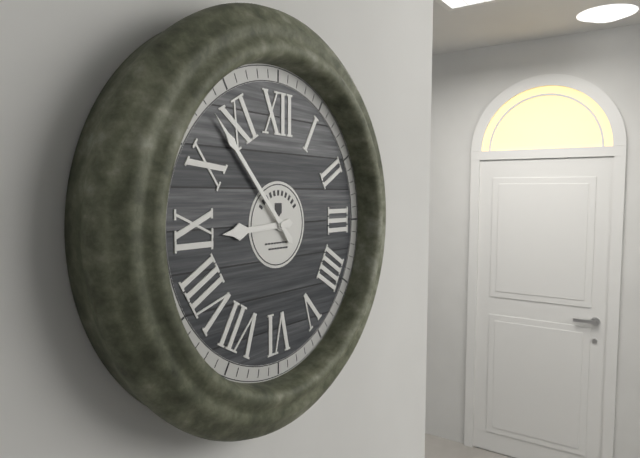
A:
**8:53**
